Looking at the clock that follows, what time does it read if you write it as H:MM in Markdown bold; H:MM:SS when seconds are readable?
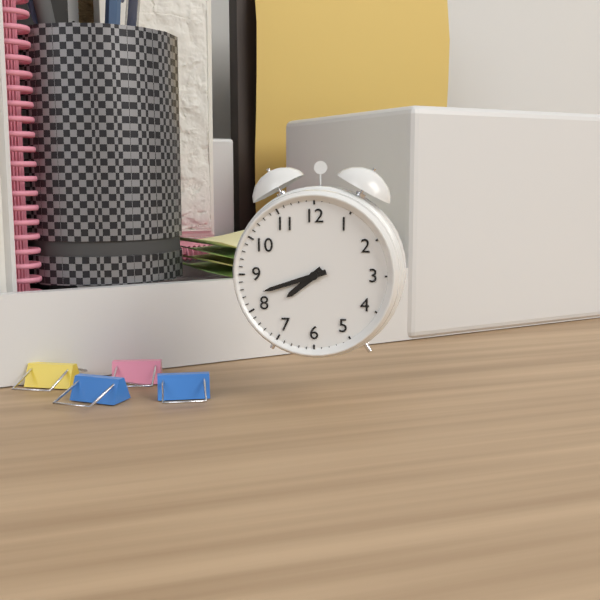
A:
**7:42**
